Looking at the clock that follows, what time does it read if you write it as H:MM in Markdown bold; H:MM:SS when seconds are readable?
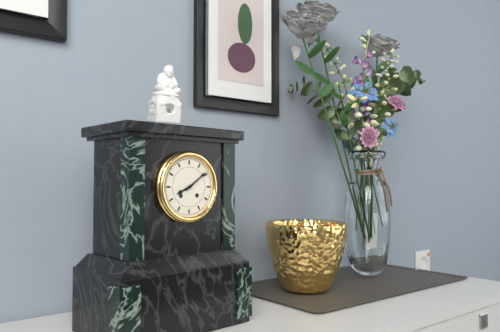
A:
**8:09**
